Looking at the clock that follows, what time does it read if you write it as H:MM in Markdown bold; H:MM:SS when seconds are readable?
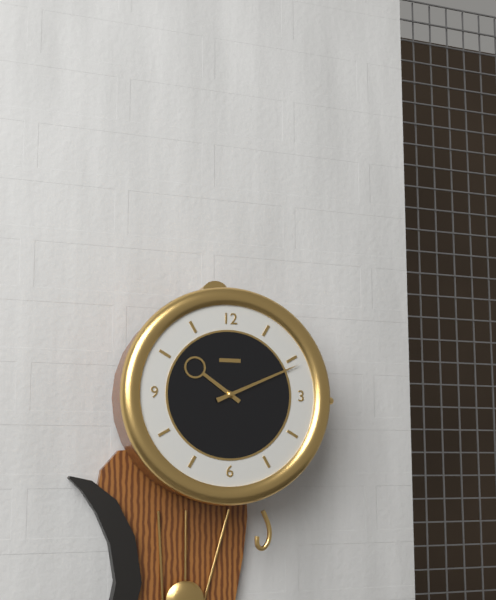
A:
**10:11**
